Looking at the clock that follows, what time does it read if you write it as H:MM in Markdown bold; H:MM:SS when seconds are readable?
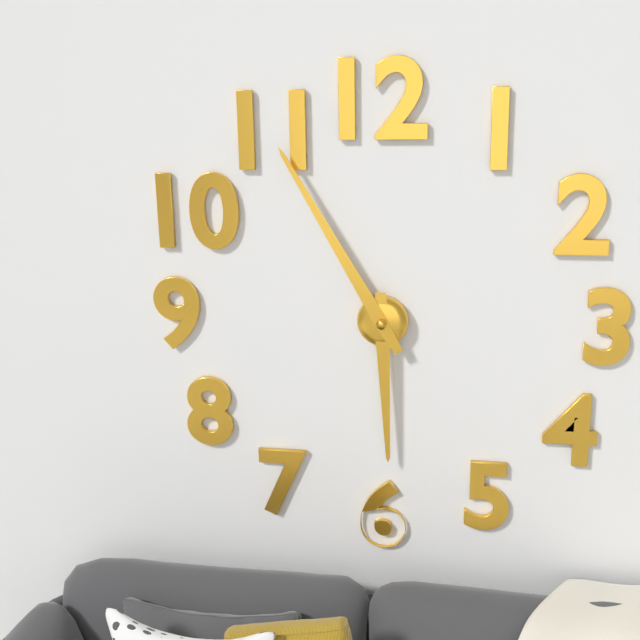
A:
**5:55**
